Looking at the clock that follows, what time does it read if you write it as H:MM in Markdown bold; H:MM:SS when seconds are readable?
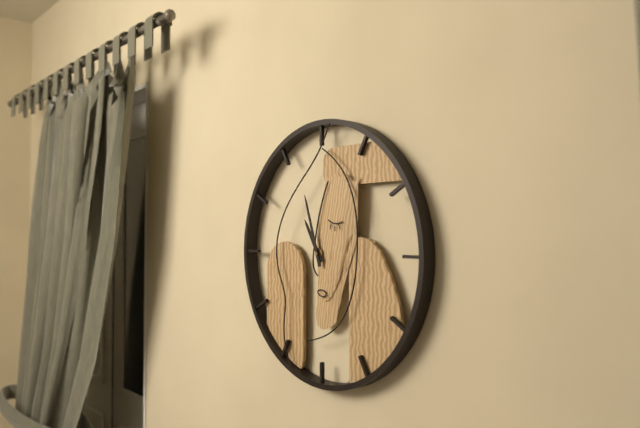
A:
**10:57**
